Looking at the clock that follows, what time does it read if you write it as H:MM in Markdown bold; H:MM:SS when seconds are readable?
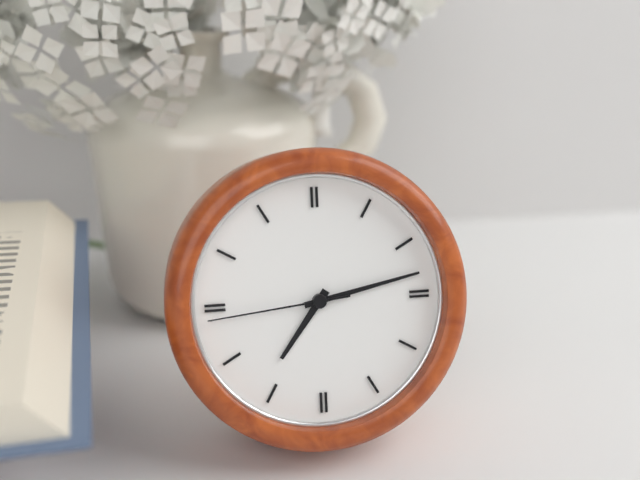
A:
**7:13:44**
